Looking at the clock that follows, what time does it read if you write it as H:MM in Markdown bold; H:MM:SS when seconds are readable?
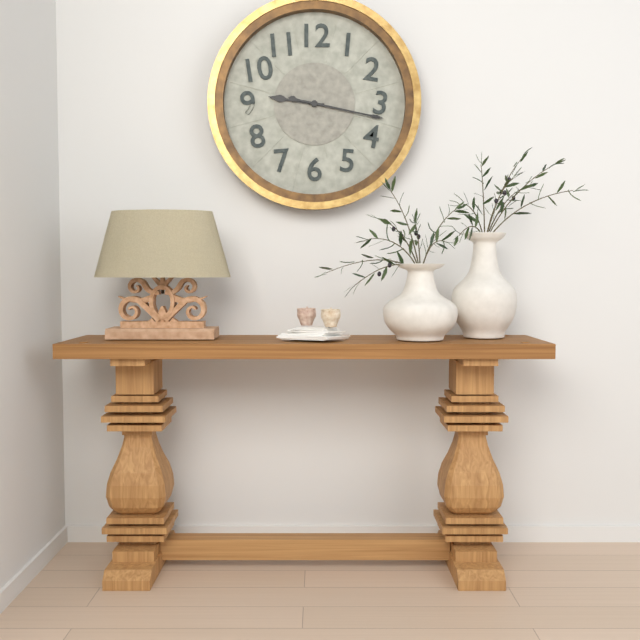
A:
**9:17**
